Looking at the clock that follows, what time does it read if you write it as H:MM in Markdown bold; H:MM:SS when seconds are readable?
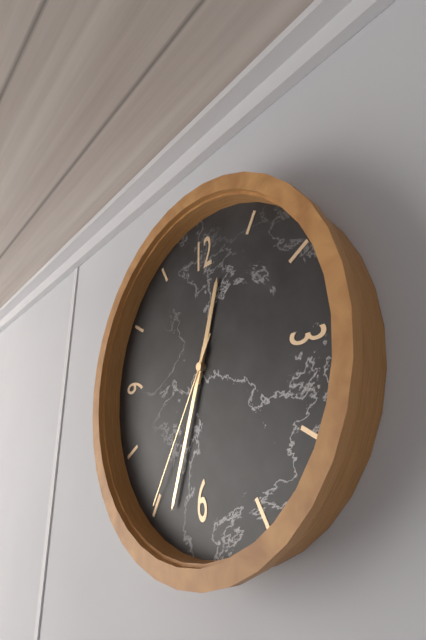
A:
**12:33:35**
